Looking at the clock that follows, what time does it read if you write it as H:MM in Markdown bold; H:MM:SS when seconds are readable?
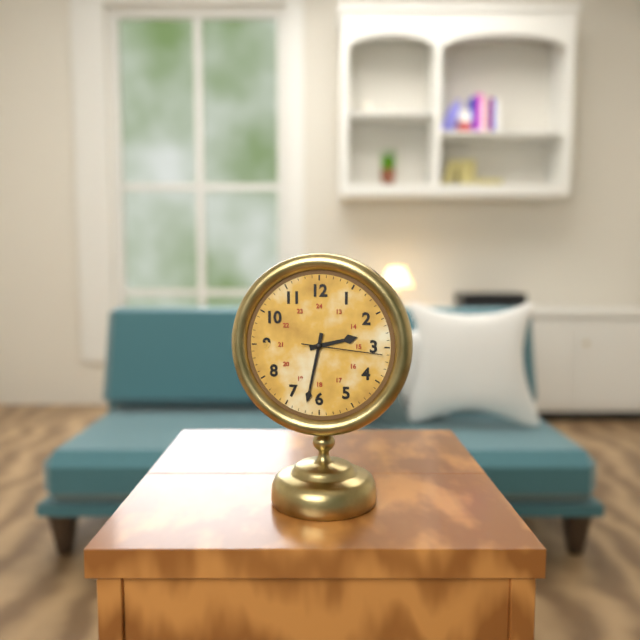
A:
**2:32:16**
